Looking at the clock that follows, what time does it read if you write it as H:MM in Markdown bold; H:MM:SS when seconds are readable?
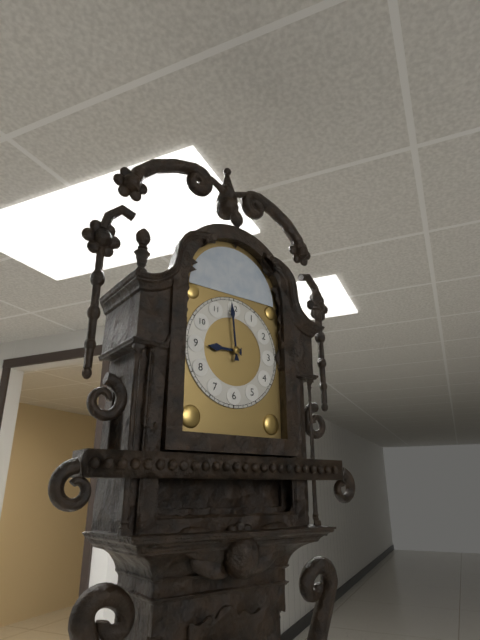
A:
**8:59**
